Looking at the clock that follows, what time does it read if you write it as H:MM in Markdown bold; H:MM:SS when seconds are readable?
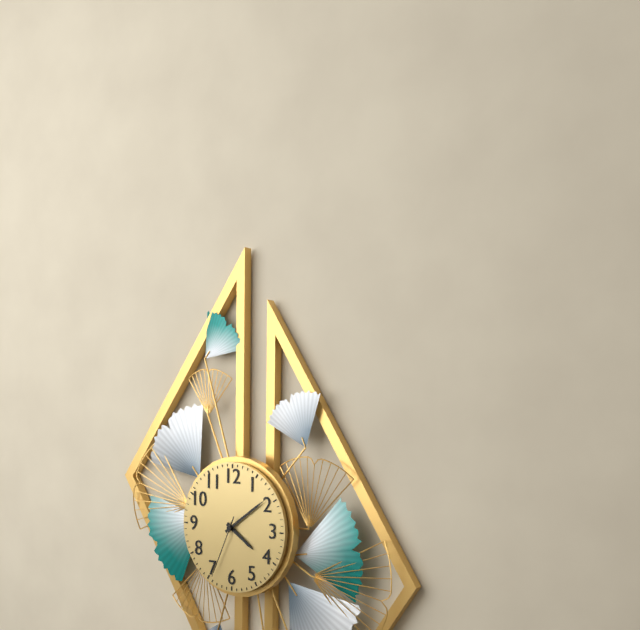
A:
**4:09:34**
